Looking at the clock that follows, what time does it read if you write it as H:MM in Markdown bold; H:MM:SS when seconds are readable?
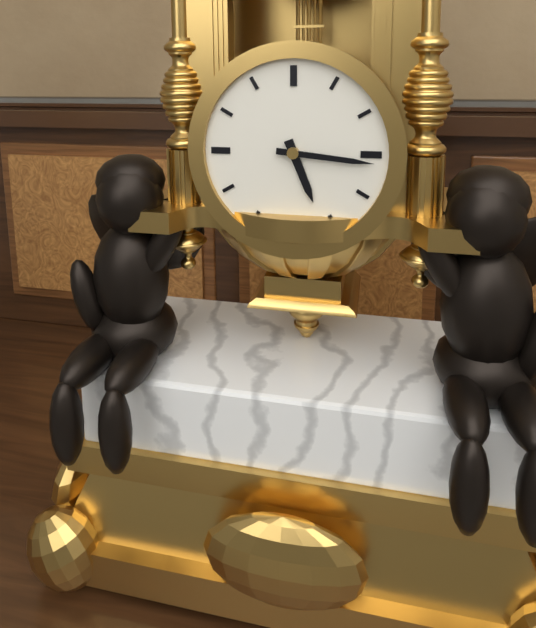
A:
**5:16**
